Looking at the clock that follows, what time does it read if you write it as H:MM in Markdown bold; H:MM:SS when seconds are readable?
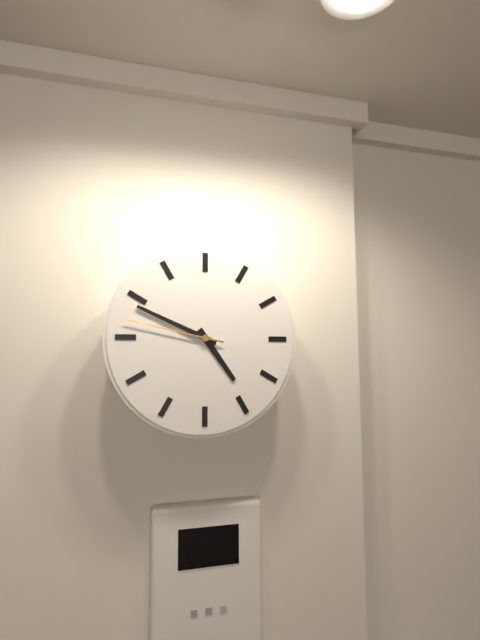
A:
**4:49:47**
